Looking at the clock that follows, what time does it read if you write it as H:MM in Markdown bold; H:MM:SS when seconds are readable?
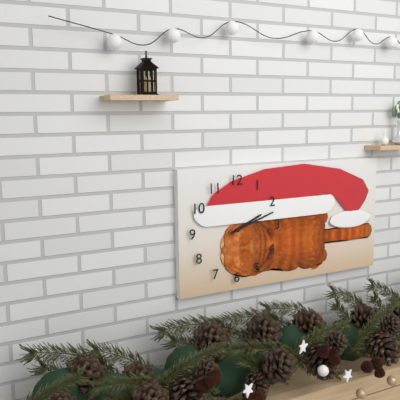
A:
**2:12**
